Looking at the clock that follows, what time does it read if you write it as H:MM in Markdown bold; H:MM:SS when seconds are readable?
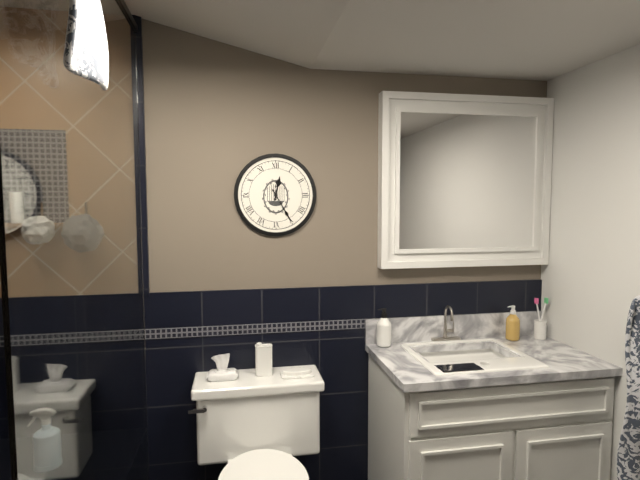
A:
**12:25**
